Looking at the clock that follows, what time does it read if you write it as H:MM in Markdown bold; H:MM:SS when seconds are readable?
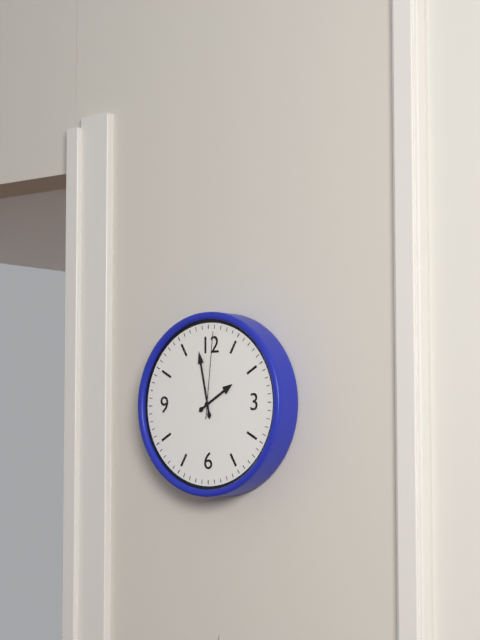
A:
**1:58:01**
